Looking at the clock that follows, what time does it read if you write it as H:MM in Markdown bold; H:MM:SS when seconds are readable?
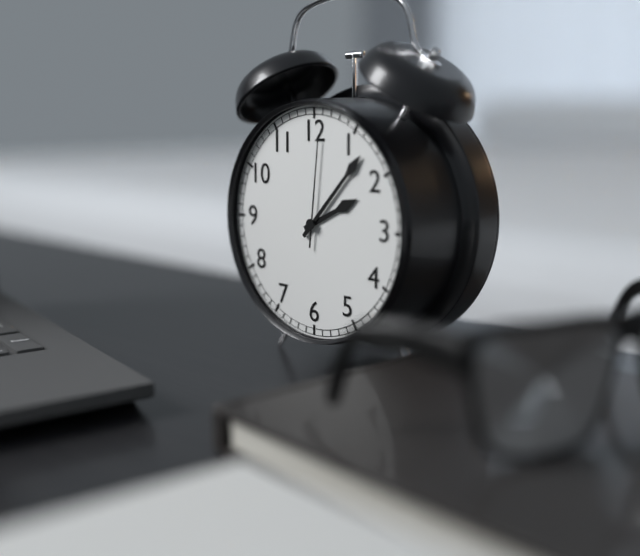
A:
**2:07:01**
